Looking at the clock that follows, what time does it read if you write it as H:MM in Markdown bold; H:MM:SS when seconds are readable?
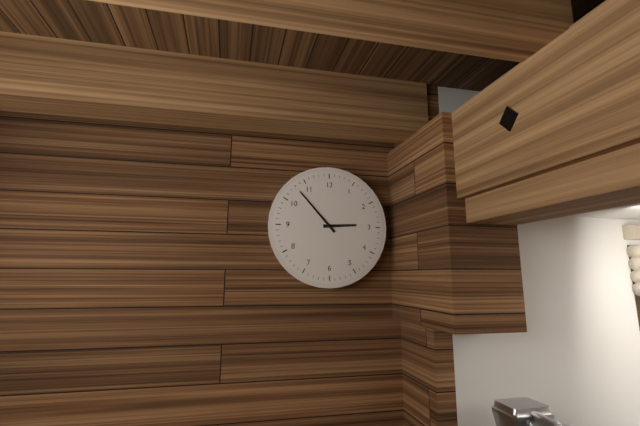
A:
**2:53**
